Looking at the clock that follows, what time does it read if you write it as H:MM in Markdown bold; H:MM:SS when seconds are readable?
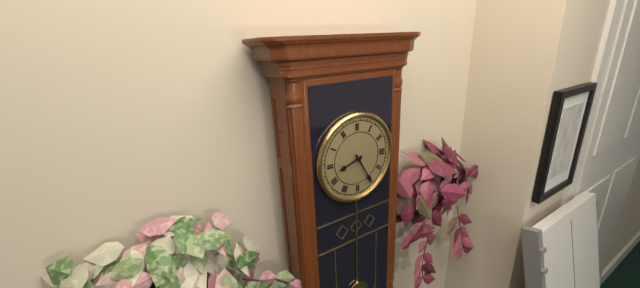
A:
**8:25**
